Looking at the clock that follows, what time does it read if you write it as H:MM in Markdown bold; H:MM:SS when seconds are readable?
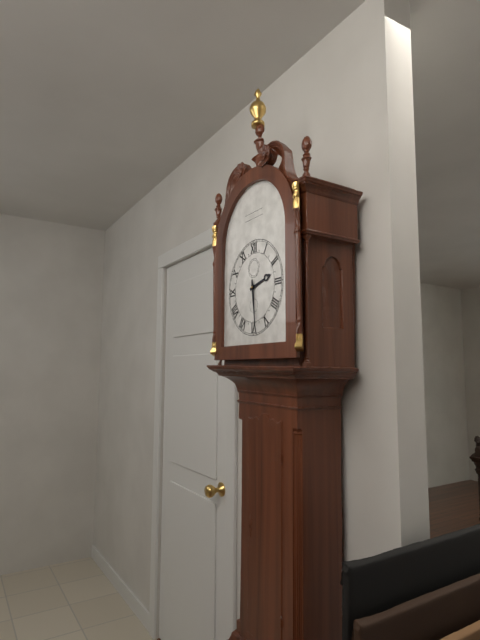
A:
**2:29**
